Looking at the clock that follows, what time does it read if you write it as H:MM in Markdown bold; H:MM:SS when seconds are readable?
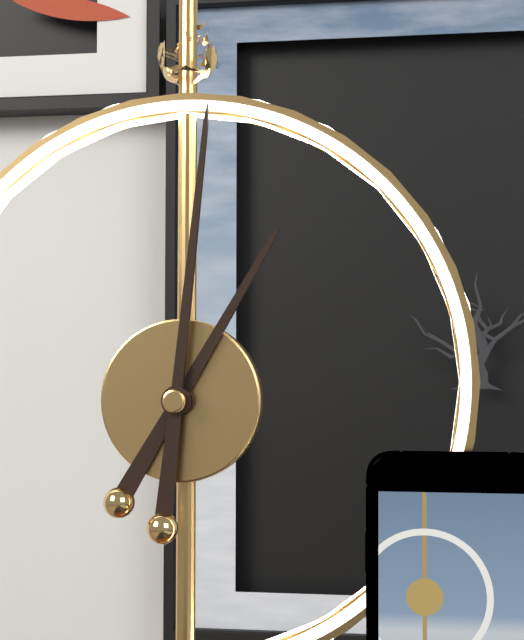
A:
**1:01**
